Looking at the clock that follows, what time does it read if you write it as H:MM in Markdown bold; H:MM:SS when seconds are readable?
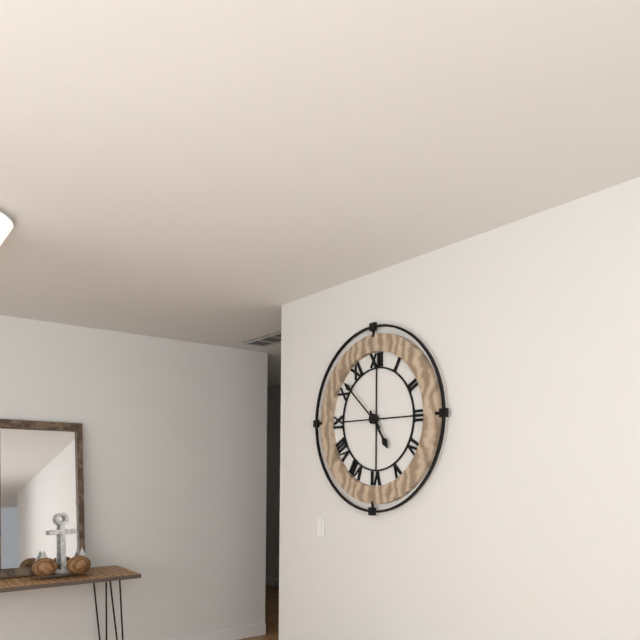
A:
**4:52**
